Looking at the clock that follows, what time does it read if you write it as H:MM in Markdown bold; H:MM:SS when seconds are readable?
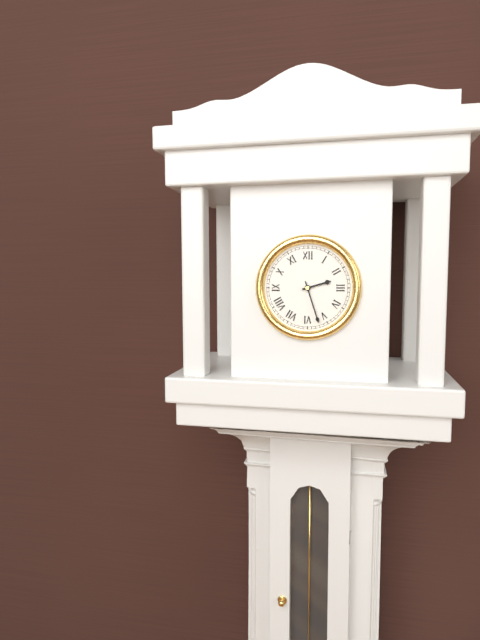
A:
**2:27**
